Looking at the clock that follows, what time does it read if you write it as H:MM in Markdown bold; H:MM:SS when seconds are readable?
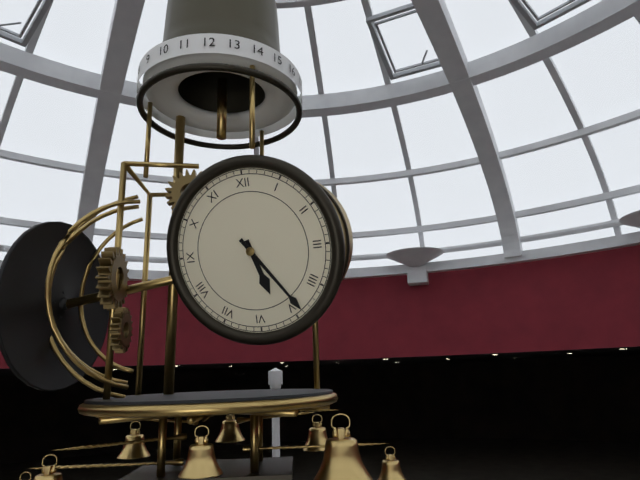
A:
**5:24**
